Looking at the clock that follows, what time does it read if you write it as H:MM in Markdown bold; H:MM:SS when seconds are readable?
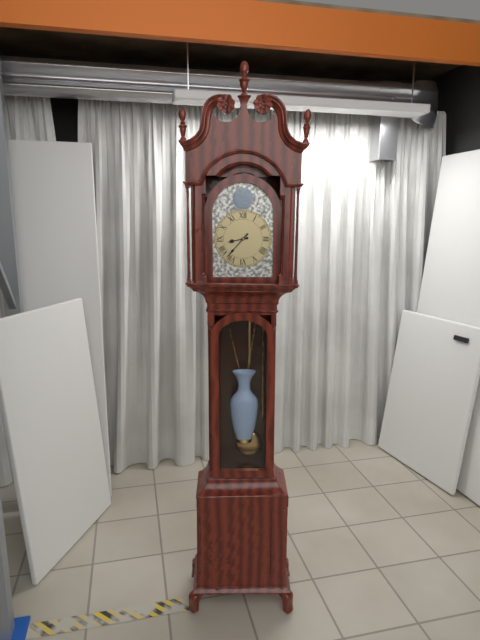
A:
**8:37**
